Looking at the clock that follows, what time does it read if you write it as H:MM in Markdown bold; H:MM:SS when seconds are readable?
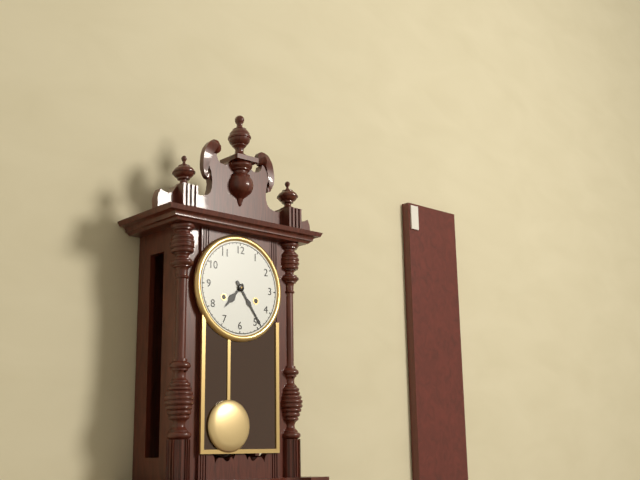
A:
**7:24**
